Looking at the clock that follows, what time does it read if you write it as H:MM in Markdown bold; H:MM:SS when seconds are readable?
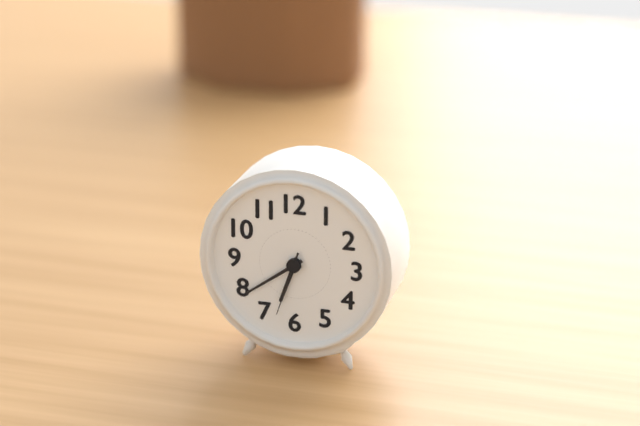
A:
**6:39:33**
